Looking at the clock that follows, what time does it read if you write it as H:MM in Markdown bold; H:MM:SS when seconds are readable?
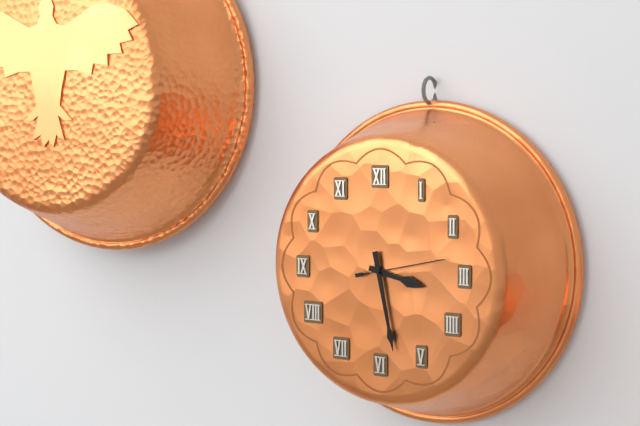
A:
**3:28:13**
